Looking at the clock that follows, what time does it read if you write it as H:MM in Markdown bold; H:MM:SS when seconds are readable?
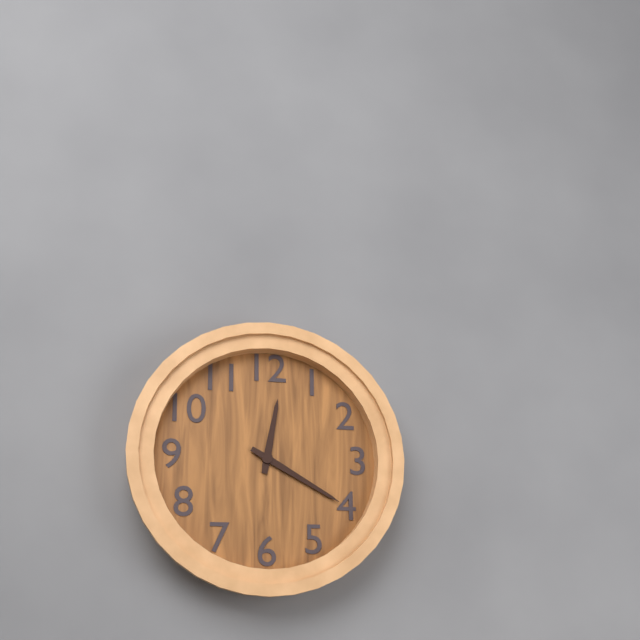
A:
**12:20**
